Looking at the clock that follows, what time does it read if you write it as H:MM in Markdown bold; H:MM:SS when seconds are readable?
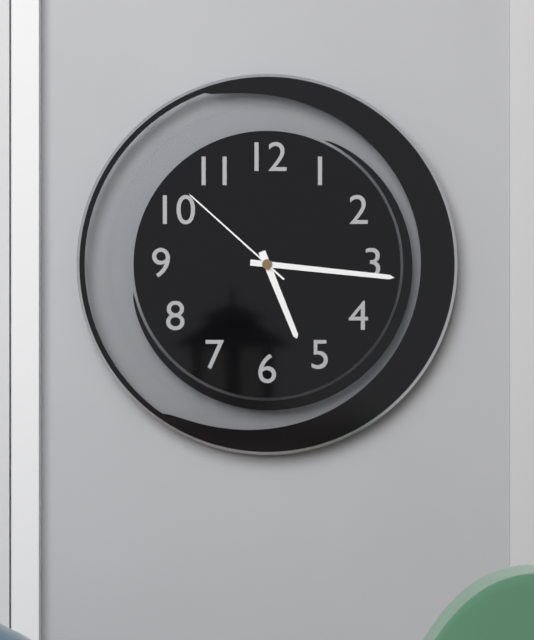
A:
**5:16:52**
